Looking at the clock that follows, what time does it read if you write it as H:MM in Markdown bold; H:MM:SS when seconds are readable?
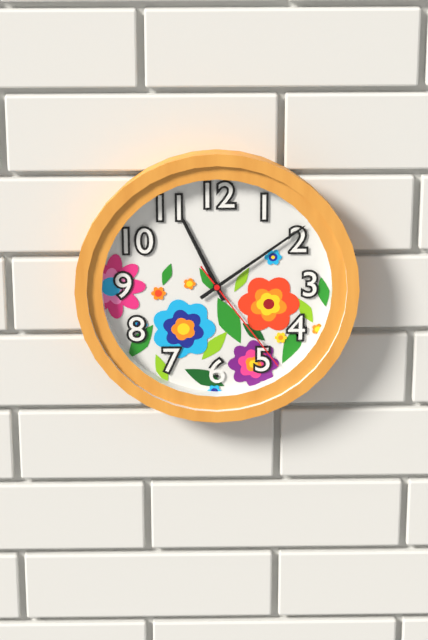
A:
**11:09:24**
